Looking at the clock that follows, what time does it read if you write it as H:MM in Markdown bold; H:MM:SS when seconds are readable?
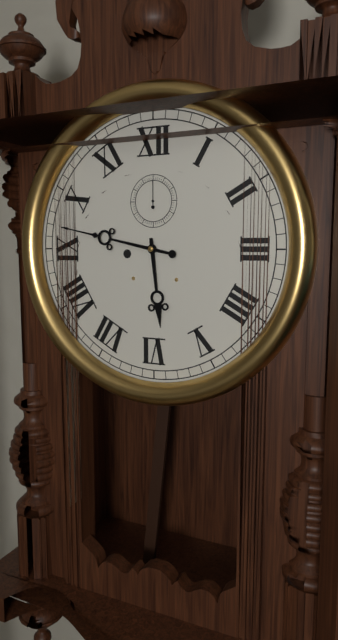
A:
**5:47**
